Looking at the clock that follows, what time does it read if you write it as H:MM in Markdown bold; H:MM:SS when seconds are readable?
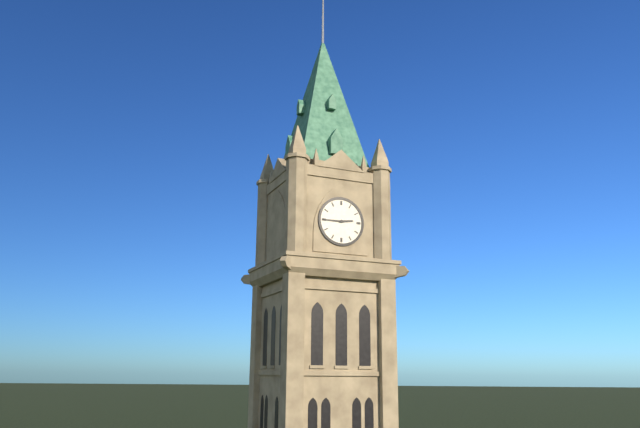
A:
**2:45**
